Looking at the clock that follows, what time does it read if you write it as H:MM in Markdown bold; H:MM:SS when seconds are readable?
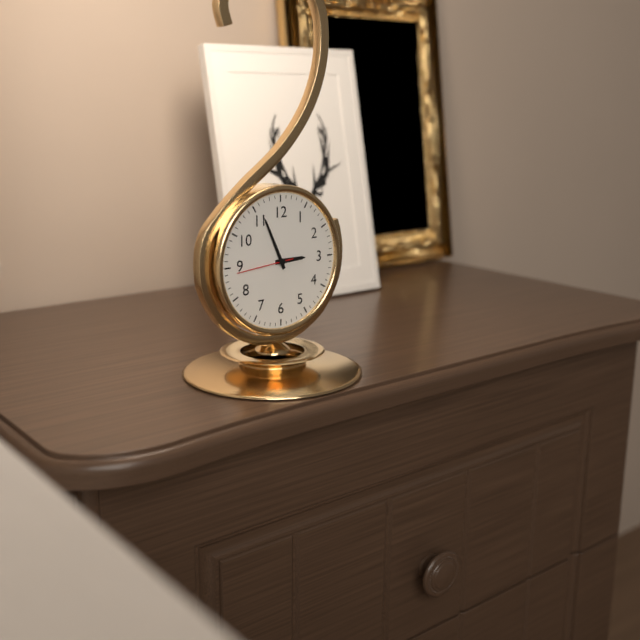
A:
**2:56:44**
